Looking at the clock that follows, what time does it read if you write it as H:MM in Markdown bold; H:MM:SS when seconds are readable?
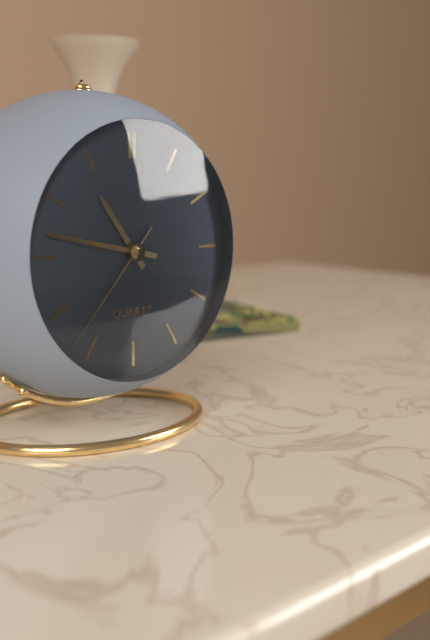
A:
**10:47:37**
